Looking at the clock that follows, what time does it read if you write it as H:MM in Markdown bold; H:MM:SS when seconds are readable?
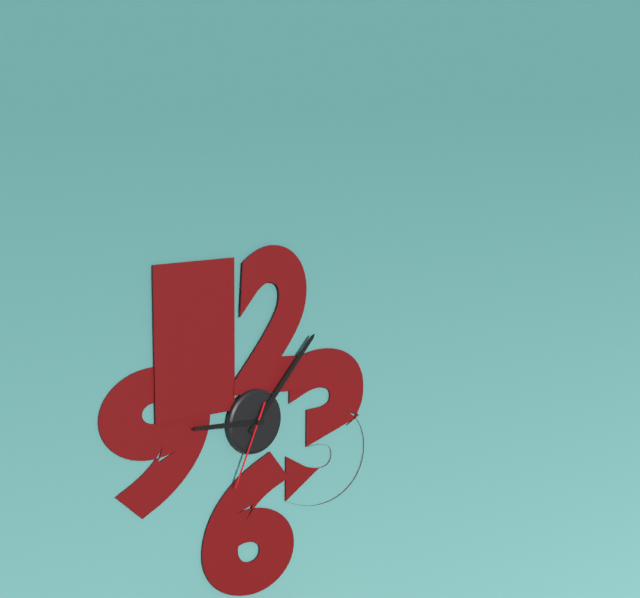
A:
**9:07:34**
